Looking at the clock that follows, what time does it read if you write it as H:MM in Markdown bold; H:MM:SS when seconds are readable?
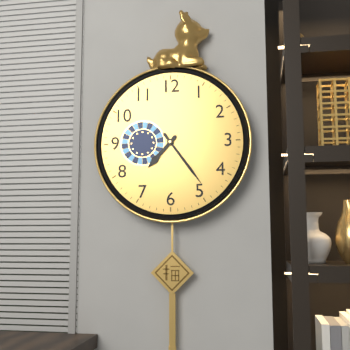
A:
**7:24**
